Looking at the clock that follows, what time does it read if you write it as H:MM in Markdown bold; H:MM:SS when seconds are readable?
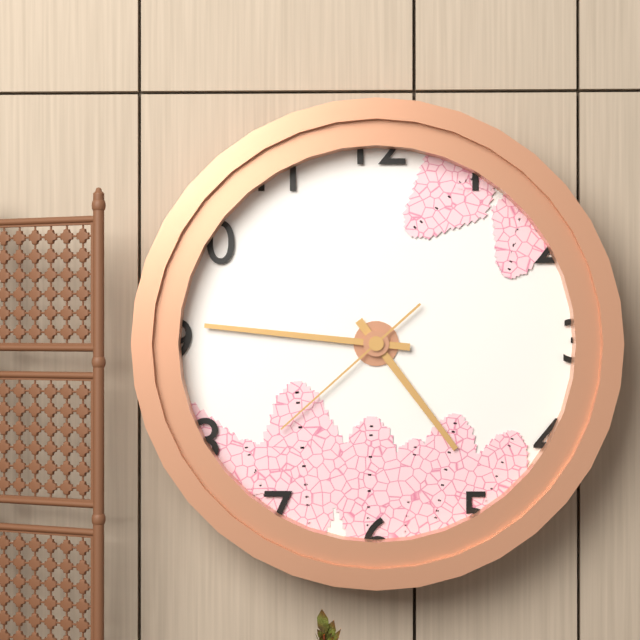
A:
**4:46:38**
